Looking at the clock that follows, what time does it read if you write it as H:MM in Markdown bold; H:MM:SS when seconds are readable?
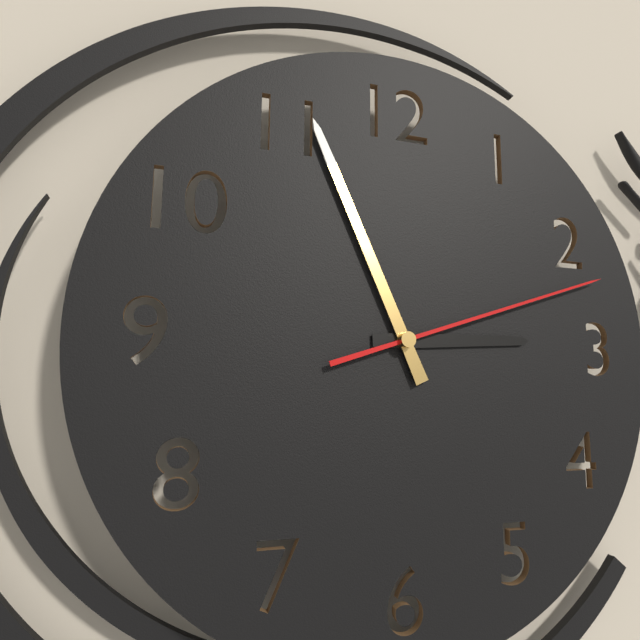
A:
**2:56:12**
